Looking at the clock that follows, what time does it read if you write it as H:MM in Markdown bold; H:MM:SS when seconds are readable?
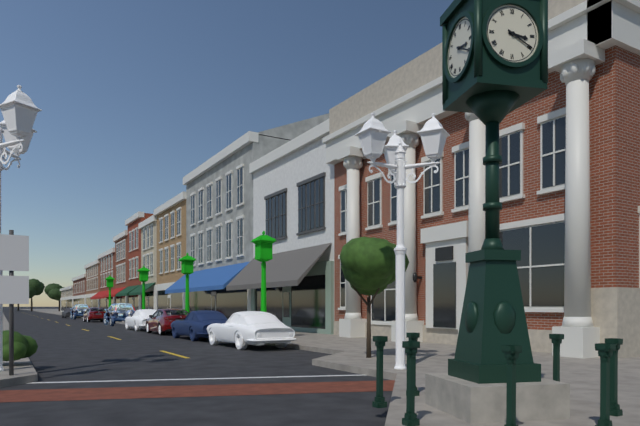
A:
**3:20**
